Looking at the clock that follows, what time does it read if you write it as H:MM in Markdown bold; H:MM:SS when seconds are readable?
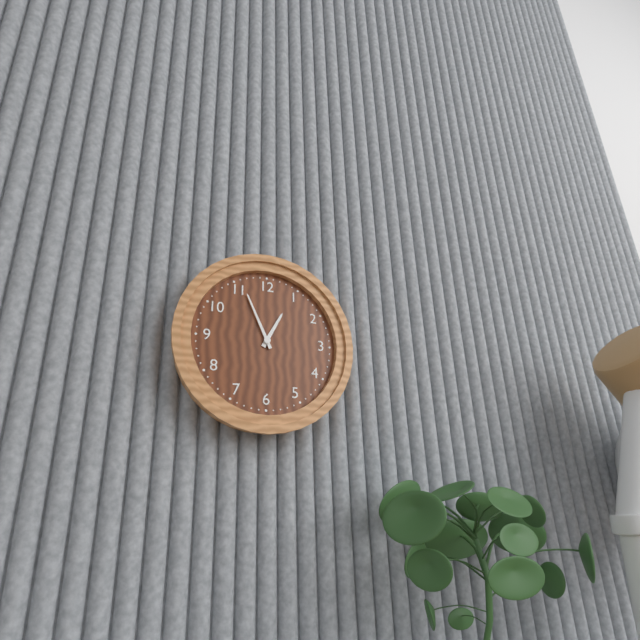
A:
**12:56**
